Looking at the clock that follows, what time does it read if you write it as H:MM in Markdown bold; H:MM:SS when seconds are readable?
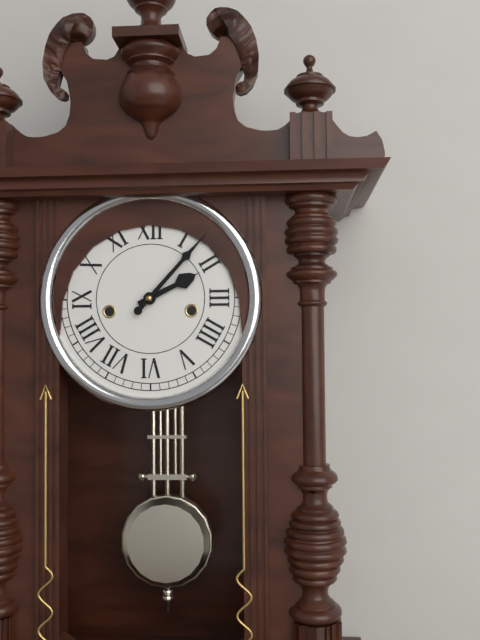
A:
**2:07**
